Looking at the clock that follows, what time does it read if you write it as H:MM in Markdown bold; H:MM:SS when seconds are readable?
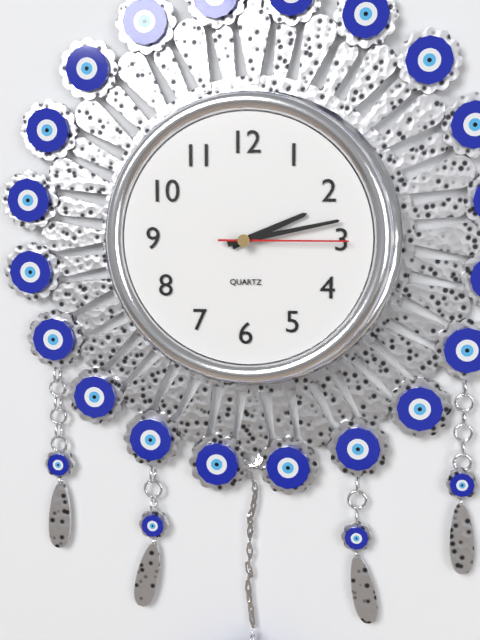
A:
**2:13:15**
